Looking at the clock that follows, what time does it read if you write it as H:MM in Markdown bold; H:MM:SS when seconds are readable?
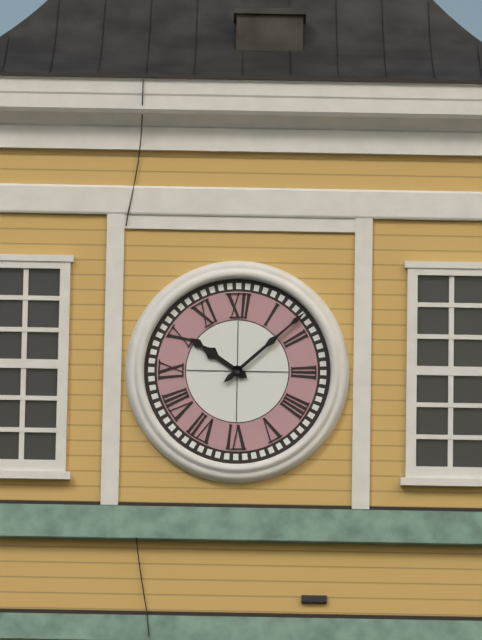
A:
**10:08**
